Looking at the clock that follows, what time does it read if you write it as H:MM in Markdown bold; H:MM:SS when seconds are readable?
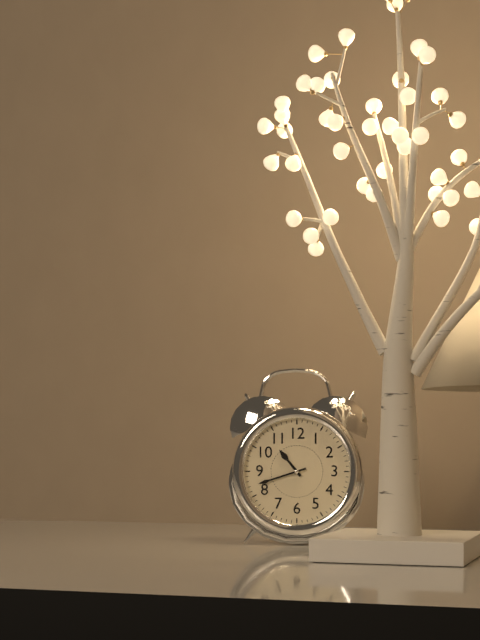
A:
**10:42**
